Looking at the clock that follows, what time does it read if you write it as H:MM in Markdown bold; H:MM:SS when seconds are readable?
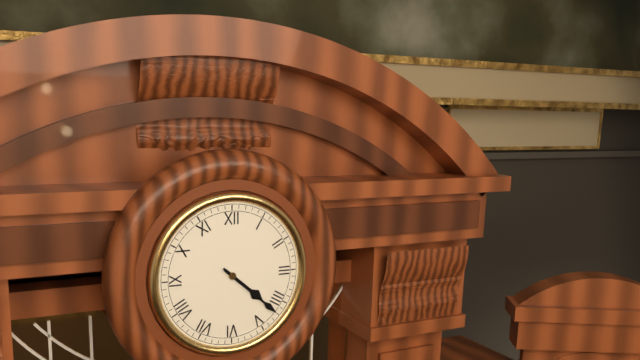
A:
**4:22**
